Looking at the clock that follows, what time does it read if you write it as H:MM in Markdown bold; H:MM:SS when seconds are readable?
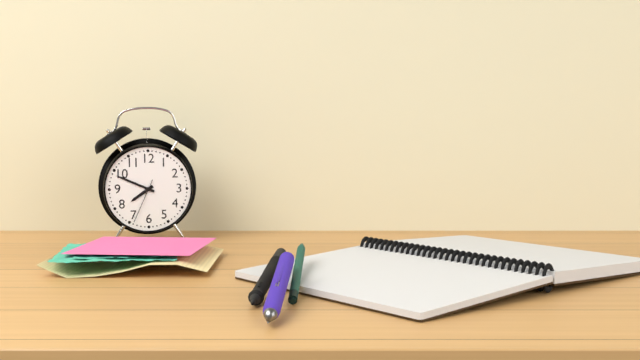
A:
**7:49**
